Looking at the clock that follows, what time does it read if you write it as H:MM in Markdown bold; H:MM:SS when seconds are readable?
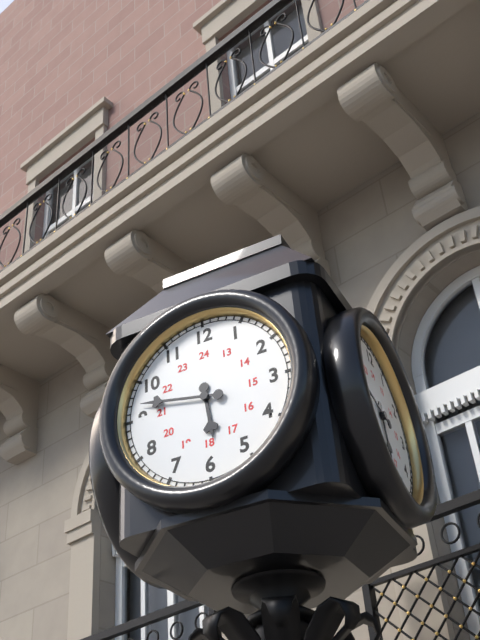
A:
**5:47**
